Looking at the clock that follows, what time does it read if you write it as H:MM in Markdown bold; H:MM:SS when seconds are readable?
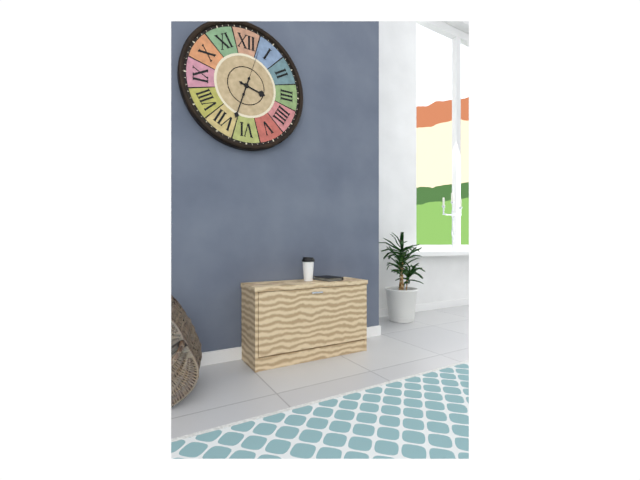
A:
**3:33**
